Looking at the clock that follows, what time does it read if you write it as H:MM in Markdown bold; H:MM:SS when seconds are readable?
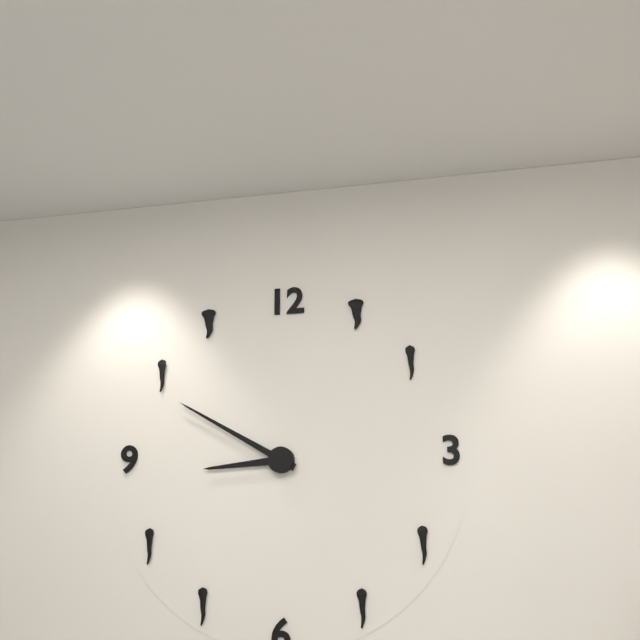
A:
**8:50**
